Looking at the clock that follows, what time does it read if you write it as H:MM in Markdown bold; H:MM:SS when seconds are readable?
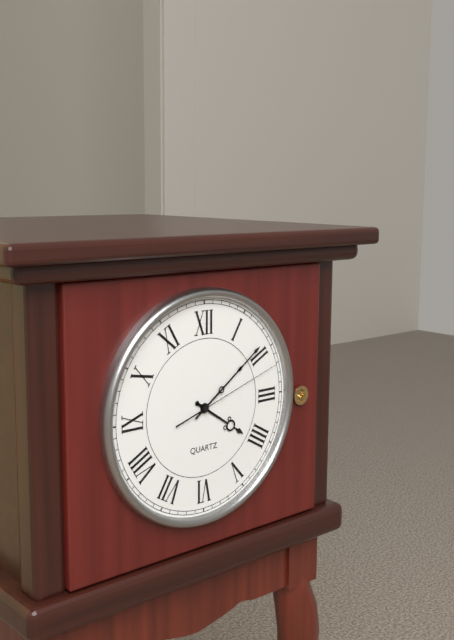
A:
**4:09:12**
